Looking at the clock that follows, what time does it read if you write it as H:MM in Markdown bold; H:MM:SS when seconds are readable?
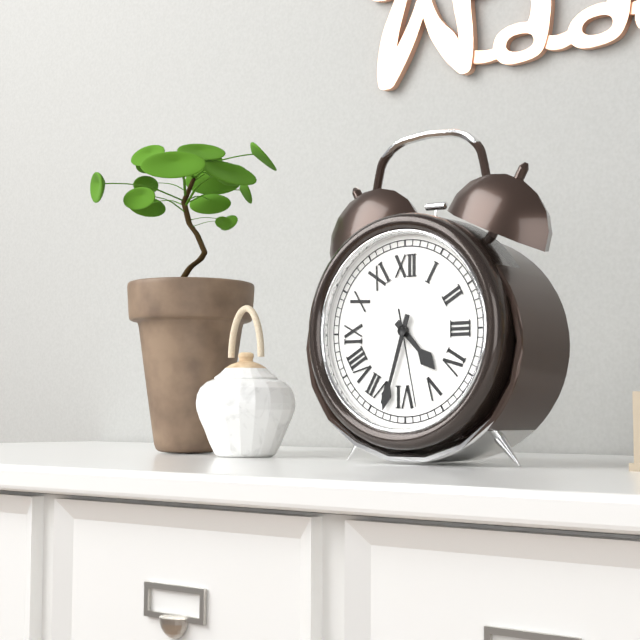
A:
**4:33:28**
